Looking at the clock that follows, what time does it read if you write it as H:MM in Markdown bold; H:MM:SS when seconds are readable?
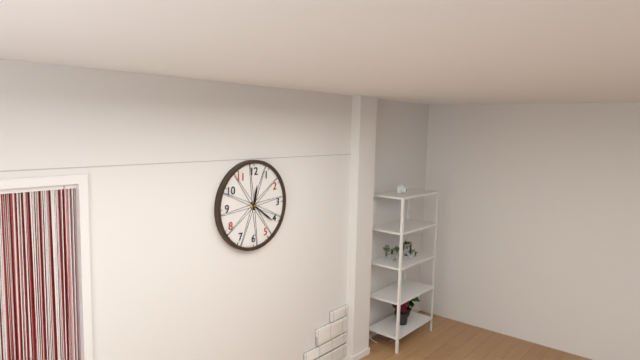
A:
**12:21**
